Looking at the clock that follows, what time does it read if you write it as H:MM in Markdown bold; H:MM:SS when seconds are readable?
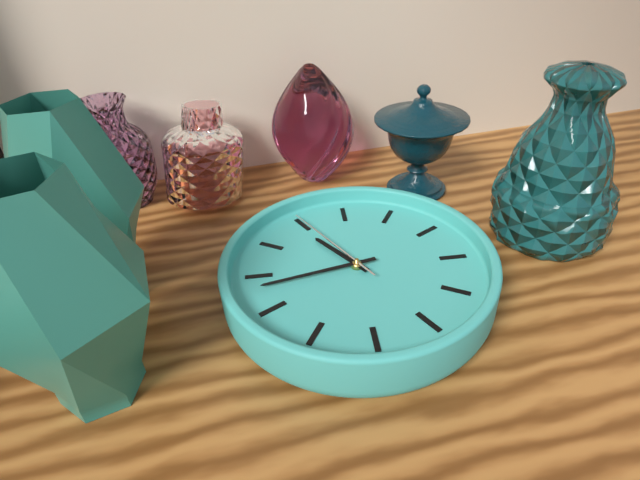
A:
**11:48:00**
